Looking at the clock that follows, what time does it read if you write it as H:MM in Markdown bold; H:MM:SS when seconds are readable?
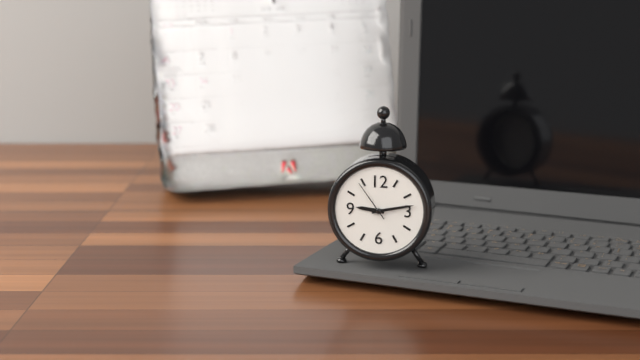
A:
**9:13**
